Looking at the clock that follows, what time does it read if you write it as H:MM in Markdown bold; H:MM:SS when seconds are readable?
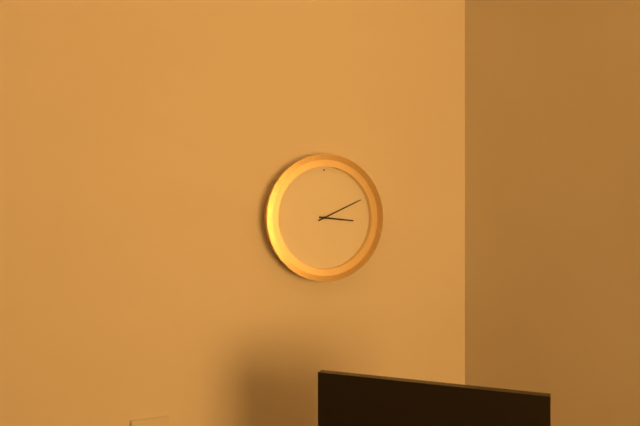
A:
**3:11**
